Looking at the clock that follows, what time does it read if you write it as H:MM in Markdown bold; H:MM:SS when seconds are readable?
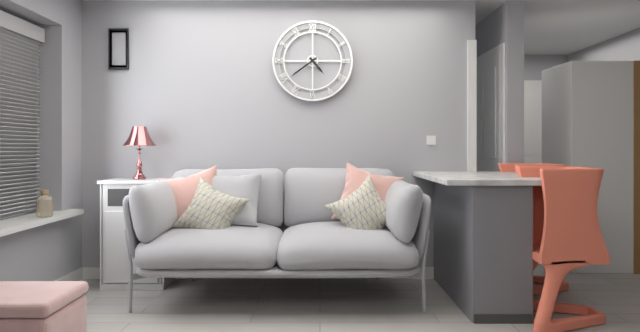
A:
**4:39**
